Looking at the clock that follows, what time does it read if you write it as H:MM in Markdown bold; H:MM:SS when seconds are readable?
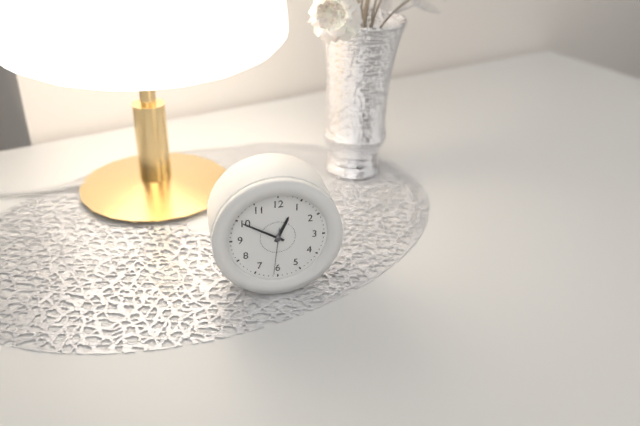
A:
**12:50**
